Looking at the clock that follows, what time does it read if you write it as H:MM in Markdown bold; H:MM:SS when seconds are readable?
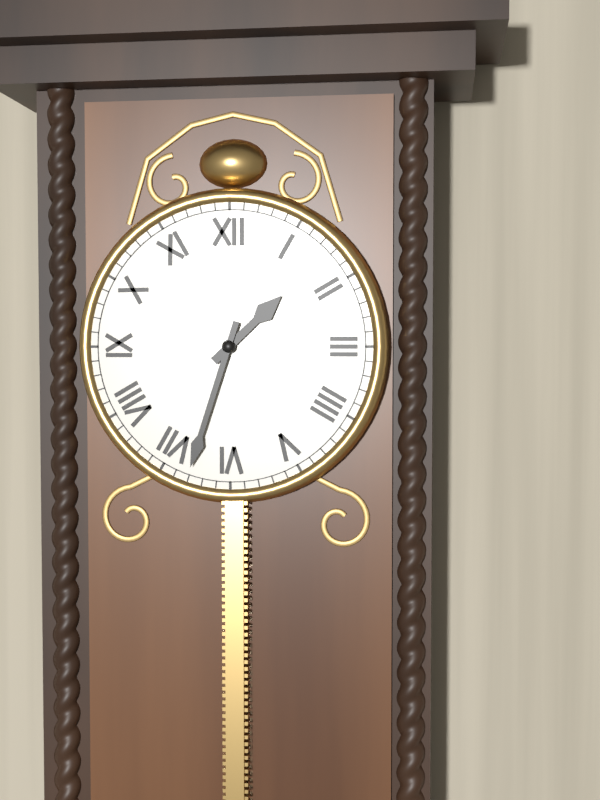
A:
**1:33**
